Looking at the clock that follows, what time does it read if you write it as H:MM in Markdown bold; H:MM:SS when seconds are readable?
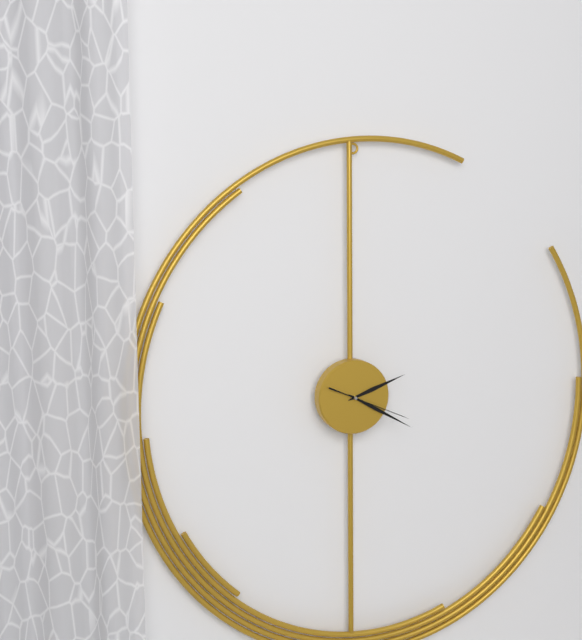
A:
**2:20:19**
